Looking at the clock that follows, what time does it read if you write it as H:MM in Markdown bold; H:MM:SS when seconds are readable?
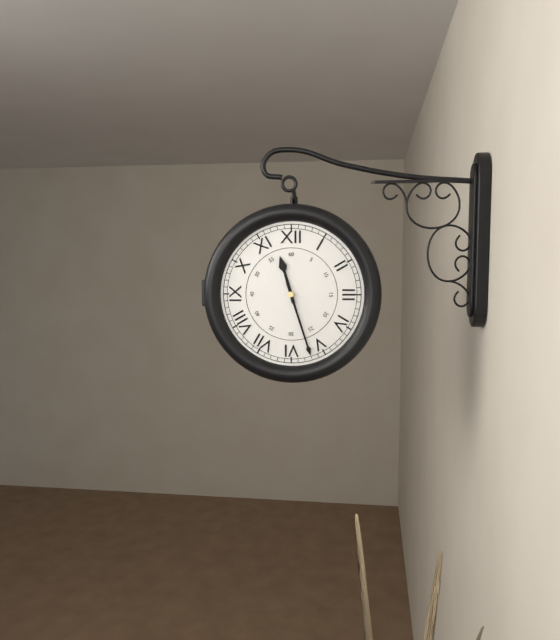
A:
**11:27**
